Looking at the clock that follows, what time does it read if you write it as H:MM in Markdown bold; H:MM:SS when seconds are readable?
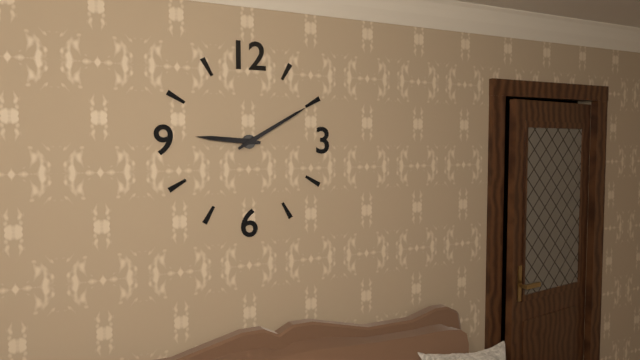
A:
**9:10**
